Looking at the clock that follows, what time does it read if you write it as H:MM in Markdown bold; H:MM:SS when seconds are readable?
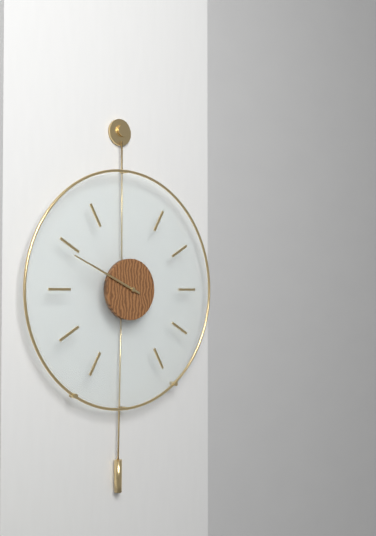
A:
**9:49**
